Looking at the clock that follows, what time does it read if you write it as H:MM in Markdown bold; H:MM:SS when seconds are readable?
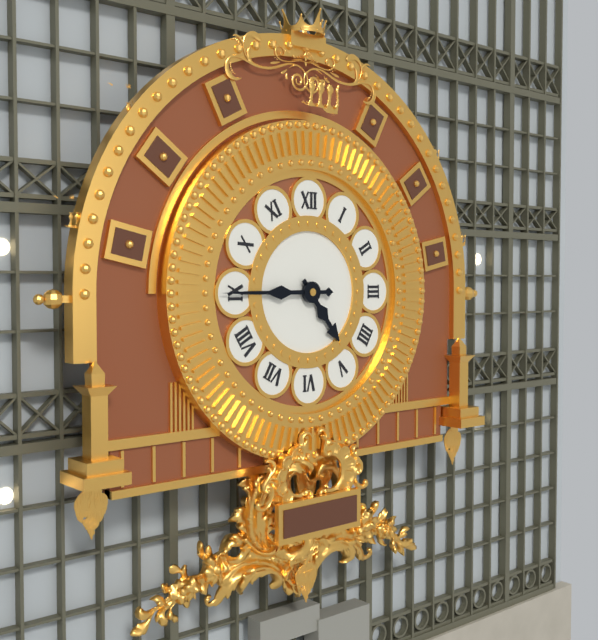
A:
**4:45**
